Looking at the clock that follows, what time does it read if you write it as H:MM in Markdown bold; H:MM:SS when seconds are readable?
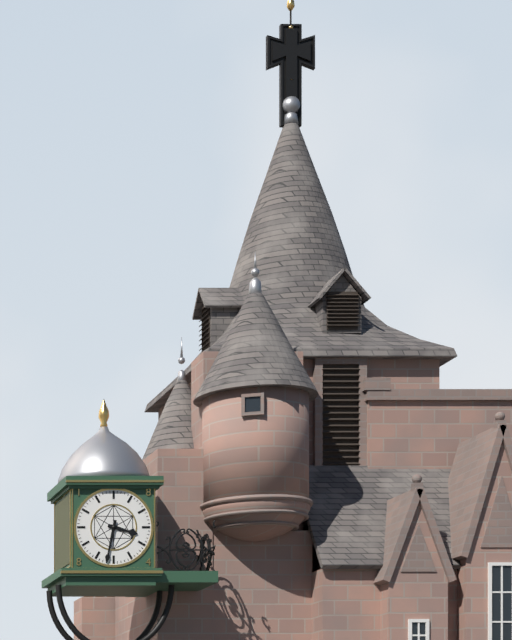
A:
**3:32**
